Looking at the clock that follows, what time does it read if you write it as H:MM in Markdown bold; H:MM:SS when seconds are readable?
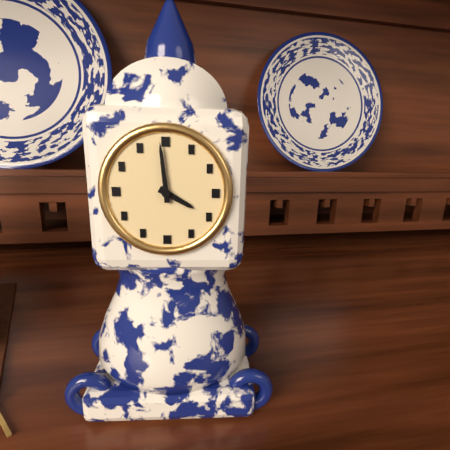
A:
**3:59**
